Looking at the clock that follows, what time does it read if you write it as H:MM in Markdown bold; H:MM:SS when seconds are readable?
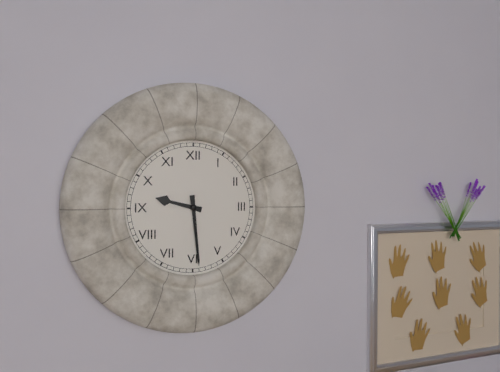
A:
**9:29**
